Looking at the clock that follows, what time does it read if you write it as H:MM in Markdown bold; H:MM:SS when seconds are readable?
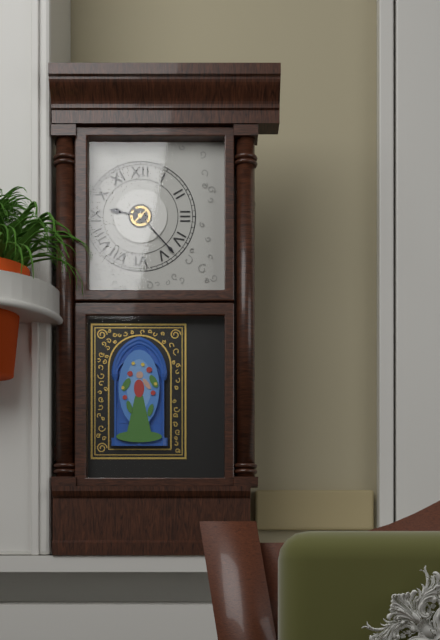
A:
**9:23**
